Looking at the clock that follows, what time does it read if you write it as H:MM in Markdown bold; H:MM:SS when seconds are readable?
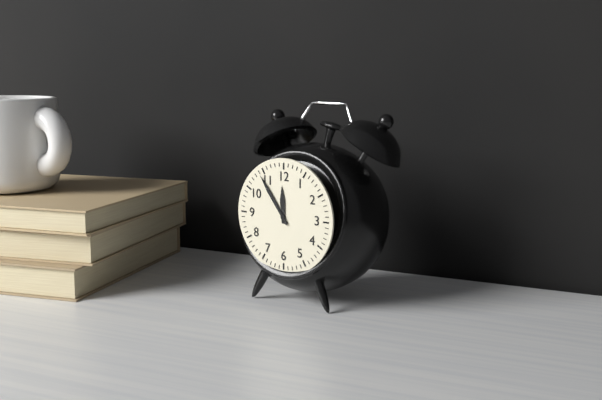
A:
**11:54**
